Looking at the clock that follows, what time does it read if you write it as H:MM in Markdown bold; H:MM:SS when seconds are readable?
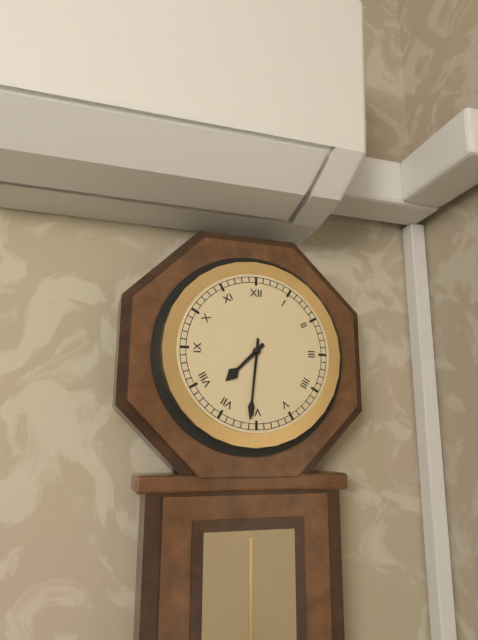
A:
**7:31**
